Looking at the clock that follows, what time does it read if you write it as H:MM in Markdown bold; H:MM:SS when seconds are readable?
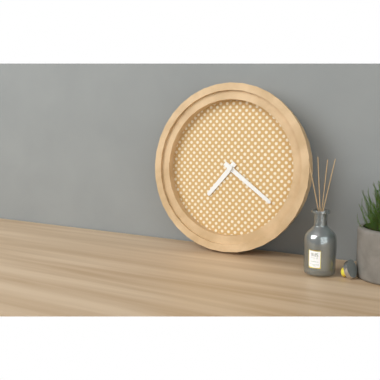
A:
**7:21**
